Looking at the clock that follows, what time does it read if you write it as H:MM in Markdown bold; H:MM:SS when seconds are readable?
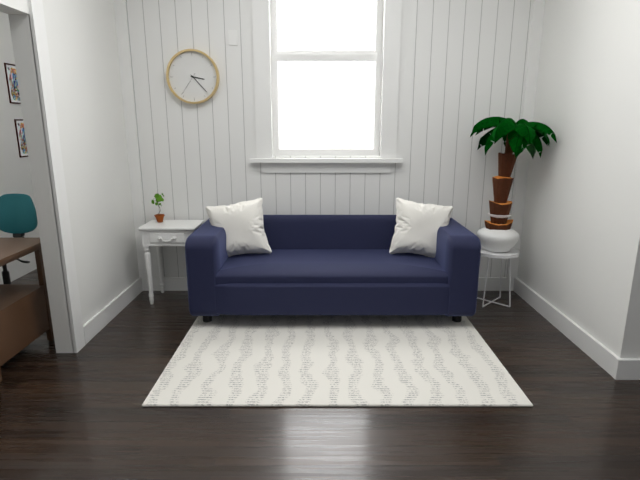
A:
**3:23**
